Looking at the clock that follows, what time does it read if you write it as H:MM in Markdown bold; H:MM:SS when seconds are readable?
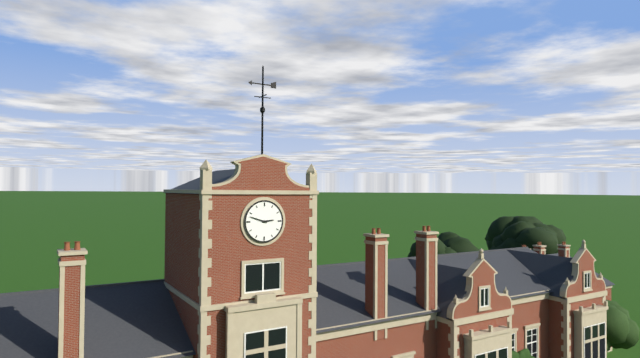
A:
**2:48**
